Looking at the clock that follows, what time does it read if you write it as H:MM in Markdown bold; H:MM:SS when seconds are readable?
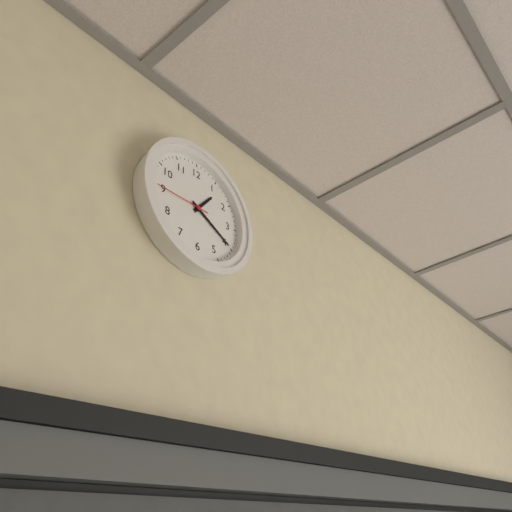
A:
**1:20:45**
